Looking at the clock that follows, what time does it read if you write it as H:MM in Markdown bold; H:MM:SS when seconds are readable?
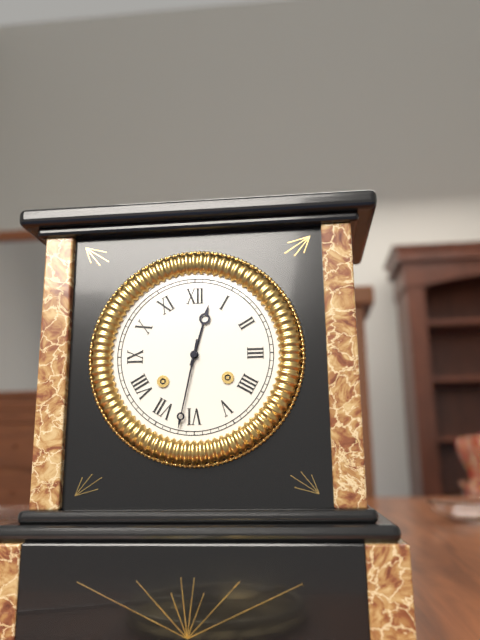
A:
**12:32**
